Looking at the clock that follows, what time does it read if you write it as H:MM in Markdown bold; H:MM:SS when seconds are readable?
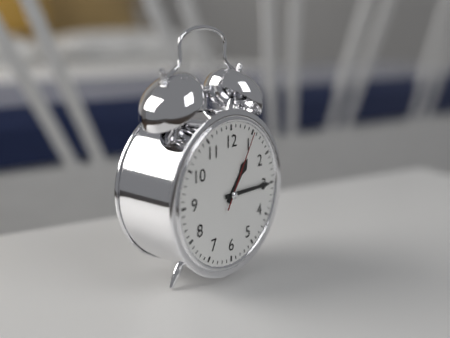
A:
**1:15:05**
